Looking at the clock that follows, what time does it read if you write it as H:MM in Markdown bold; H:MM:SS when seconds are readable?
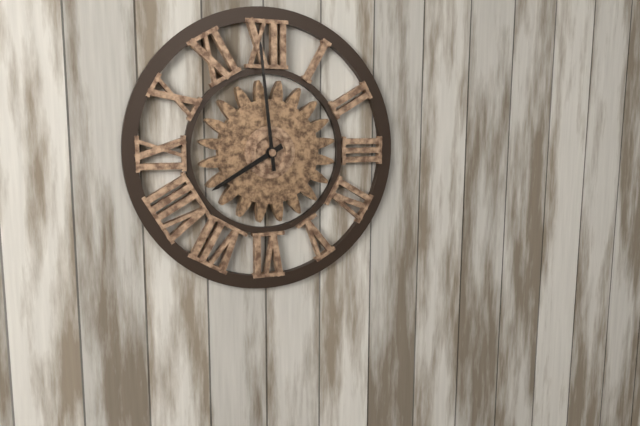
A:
**7:59**
